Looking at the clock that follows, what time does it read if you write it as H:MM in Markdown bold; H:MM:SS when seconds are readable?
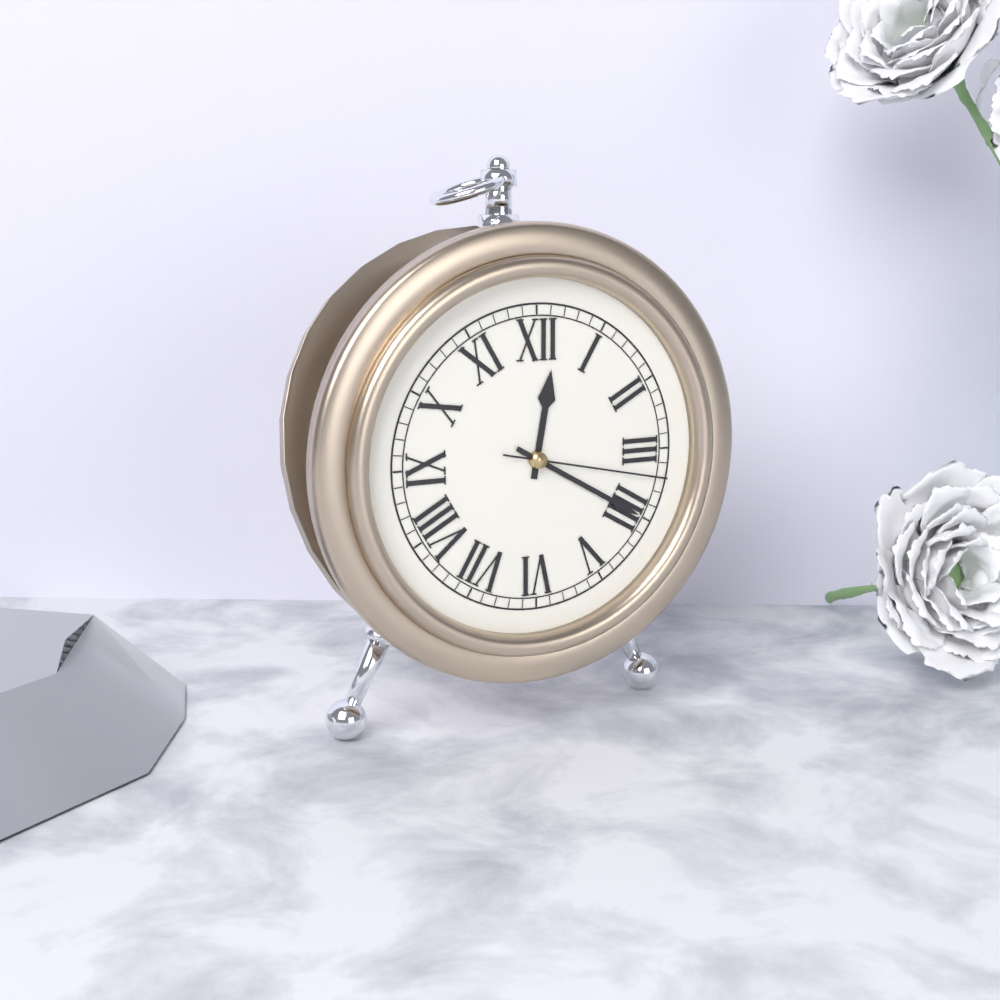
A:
**12:20:17**
